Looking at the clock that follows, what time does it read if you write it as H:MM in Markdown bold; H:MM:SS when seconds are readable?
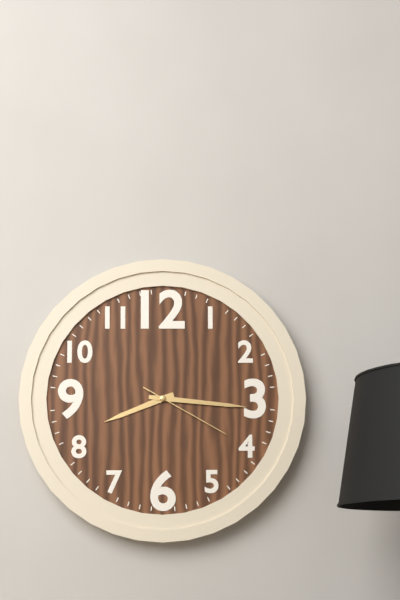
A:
**8:16:20**
